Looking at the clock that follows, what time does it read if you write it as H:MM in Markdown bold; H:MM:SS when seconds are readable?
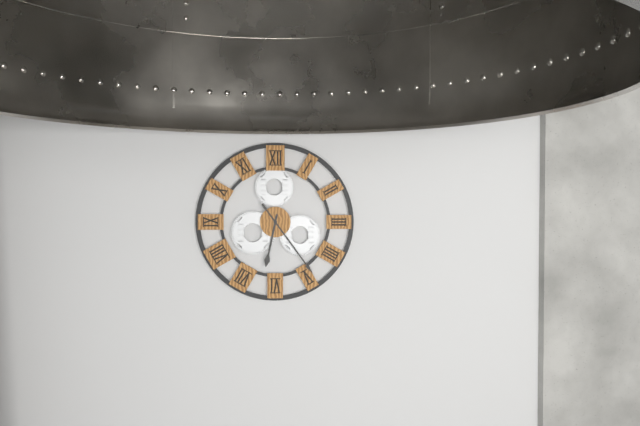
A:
**6:24**
